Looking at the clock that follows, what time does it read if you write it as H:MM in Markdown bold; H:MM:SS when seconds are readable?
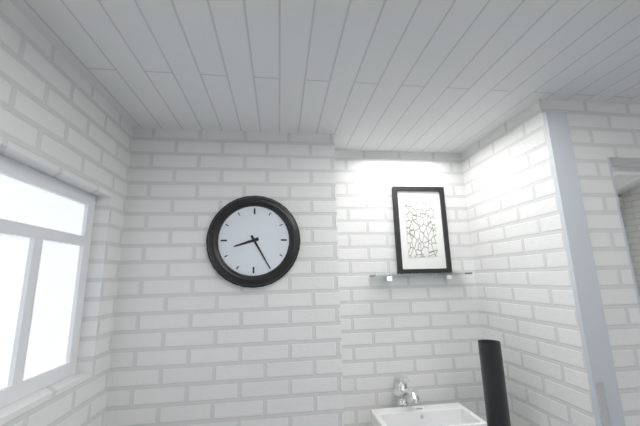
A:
**8:25**
